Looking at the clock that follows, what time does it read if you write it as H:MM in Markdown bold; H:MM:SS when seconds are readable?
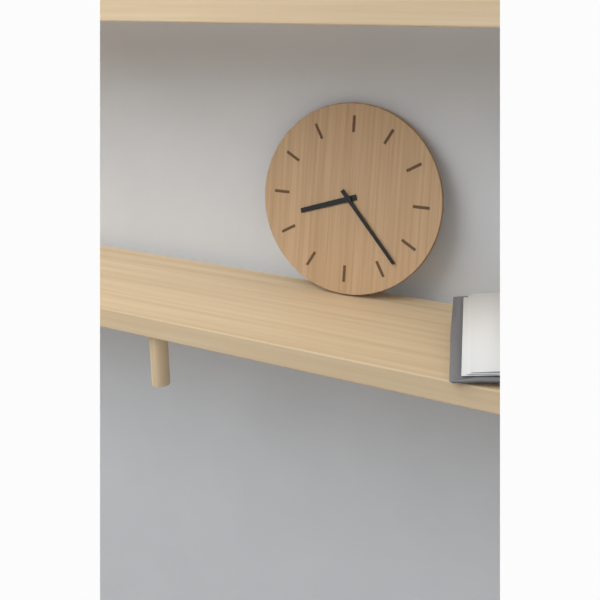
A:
**8:23**
